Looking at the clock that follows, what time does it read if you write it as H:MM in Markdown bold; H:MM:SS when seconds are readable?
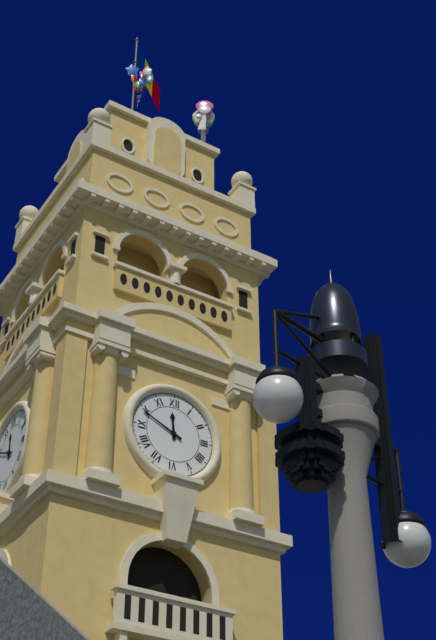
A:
**11:49**
